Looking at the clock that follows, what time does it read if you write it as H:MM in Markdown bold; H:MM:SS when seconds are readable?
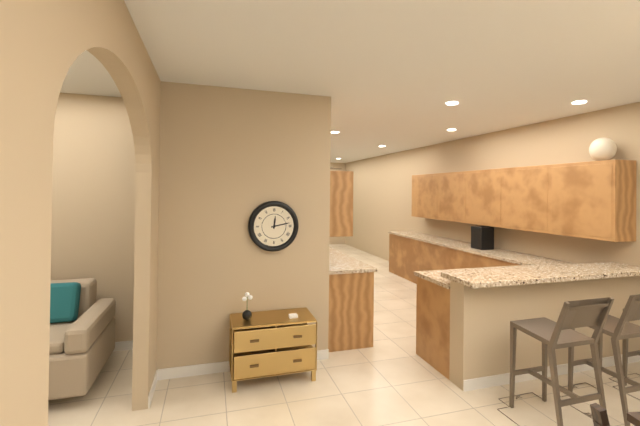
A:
**12:13**
